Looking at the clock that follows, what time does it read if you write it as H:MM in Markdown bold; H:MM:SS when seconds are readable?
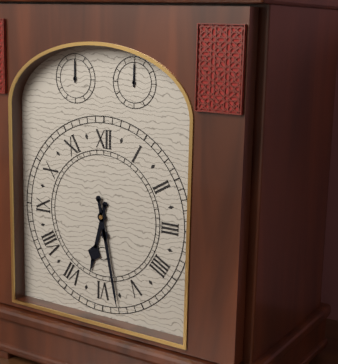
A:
**6:28**
